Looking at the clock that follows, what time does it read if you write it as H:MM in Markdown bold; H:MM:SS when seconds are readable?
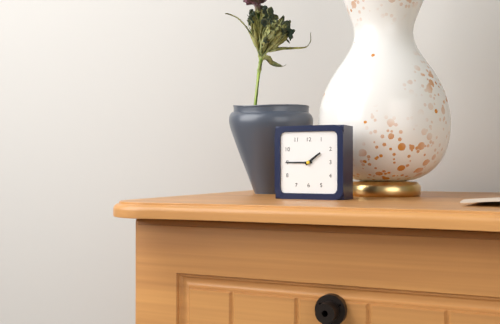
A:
**1:45**
